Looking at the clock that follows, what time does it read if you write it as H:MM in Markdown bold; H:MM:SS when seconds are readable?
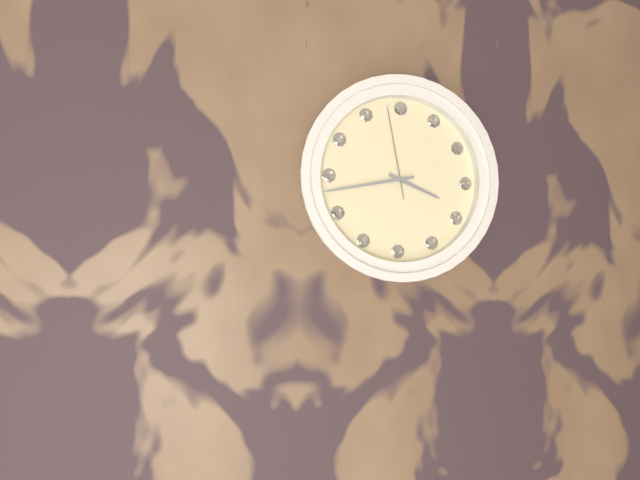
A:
**3:43:58**
